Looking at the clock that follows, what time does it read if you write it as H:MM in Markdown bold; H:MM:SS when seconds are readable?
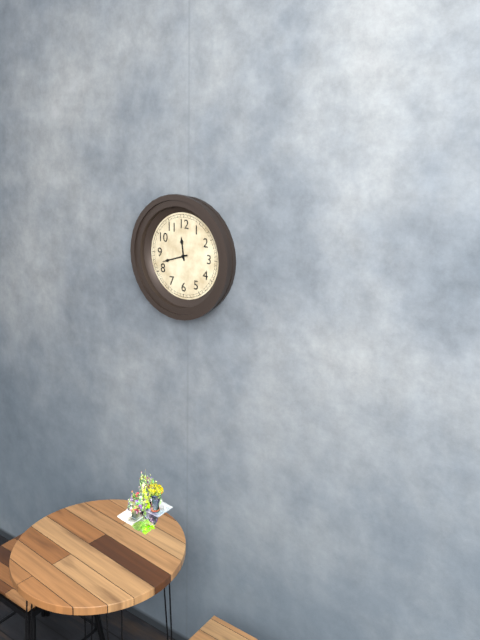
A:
**11:42**
